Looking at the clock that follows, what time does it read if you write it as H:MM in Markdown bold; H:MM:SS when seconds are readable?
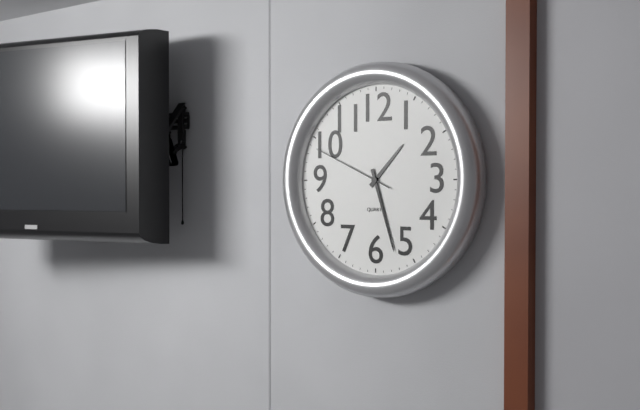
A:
**1:27:49**
